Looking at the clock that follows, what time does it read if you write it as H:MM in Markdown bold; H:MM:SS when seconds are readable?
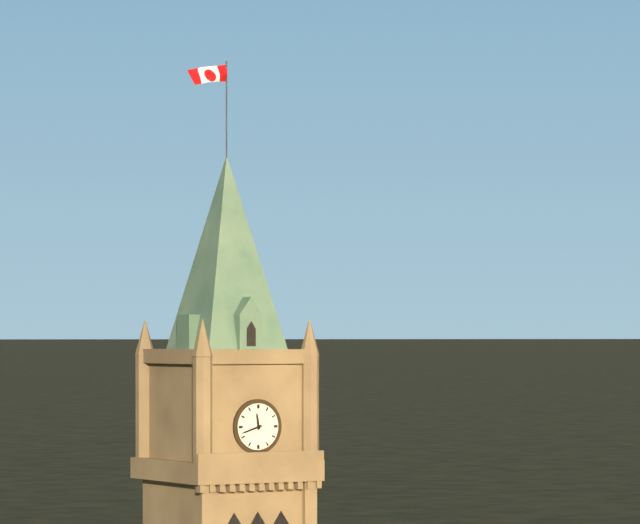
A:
**11:42**
